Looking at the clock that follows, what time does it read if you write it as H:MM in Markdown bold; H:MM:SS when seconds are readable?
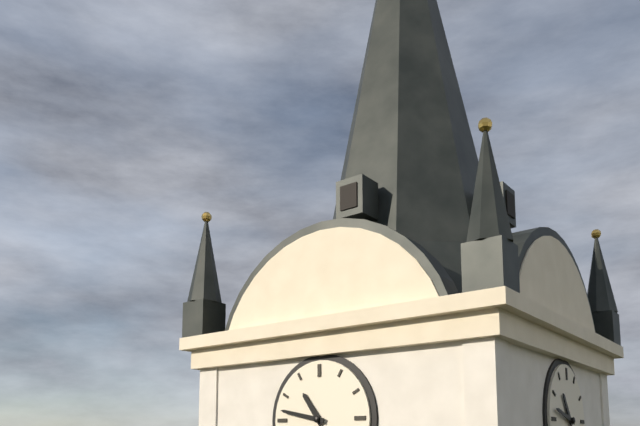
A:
**10:47**
